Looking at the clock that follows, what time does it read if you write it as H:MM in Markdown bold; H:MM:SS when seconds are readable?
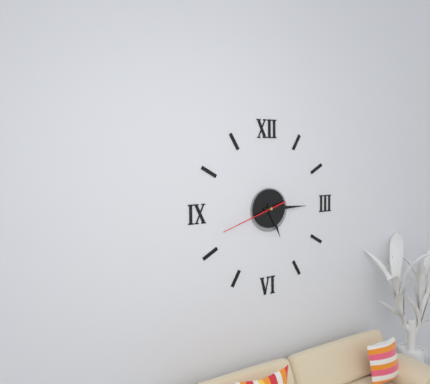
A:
**5:15:42**
